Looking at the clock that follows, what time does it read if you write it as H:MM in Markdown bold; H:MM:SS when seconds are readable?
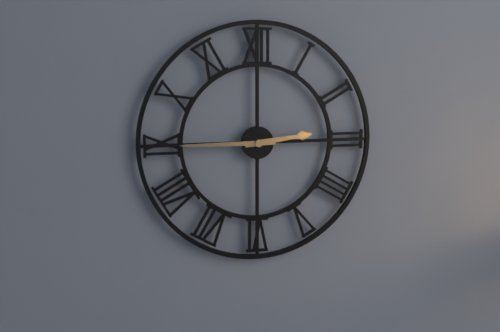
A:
**2:45**
